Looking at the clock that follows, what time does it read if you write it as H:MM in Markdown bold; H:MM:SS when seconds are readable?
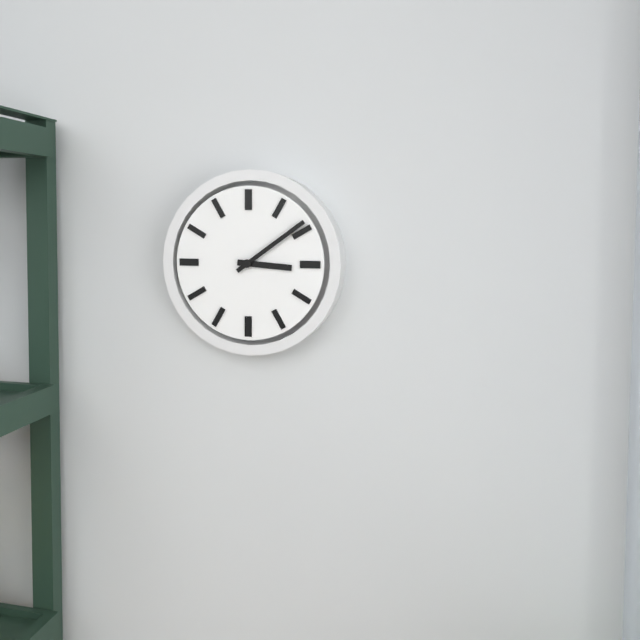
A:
**3:09**
